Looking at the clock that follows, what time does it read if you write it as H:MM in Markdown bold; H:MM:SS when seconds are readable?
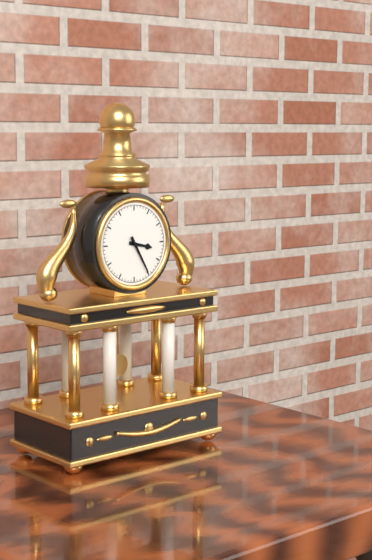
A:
**3:25**
